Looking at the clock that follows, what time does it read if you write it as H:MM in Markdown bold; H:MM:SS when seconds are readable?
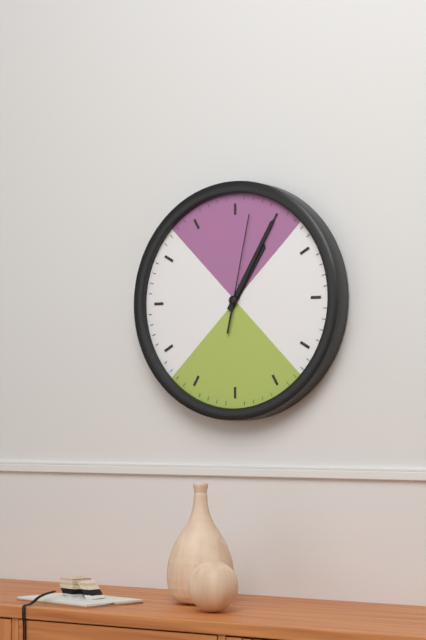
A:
**1:05:02**
